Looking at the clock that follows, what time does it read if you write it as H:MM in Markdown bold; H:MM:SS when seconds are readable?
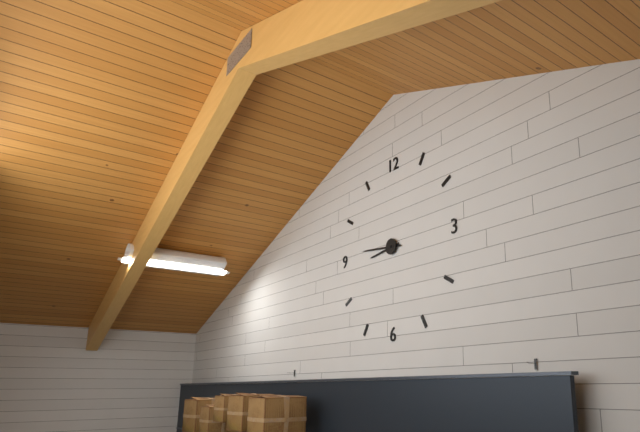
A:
**8:46**
